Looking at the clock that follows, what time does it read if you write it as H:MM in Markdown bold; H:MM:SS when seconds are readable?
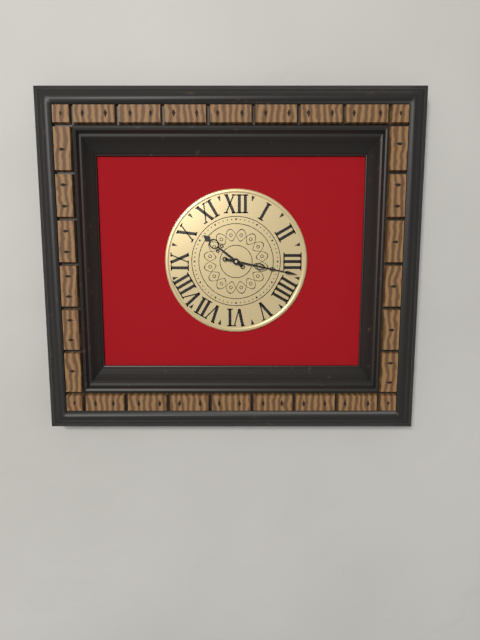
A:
**10:17**
